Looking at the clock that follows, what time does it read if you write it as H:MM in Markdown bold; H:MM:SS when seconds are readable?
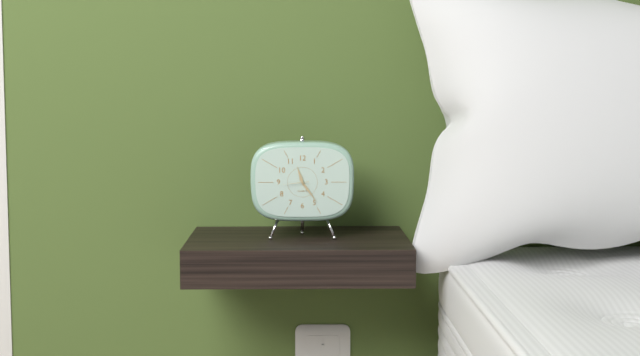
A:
**11:24**
